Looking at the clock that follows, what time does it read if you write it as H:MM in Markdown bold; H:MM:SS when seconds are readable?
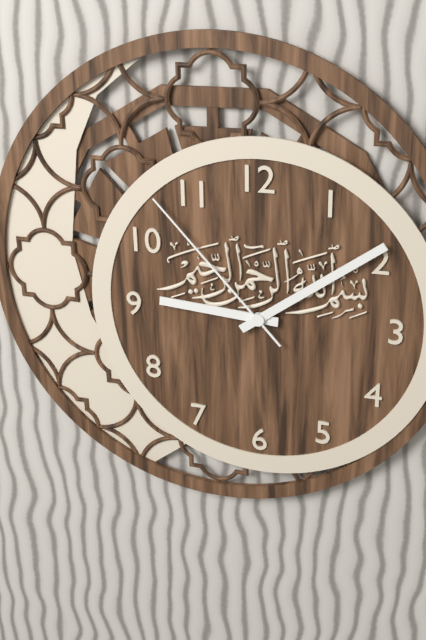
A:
**9:09:53**
